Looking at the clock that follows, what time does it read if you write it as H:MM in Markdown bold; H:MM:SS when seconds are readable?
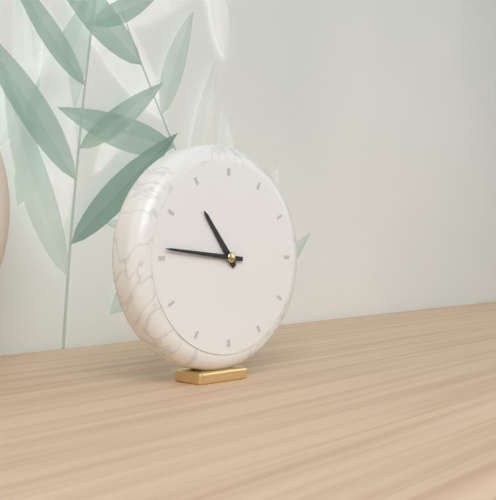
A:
**10:46**
